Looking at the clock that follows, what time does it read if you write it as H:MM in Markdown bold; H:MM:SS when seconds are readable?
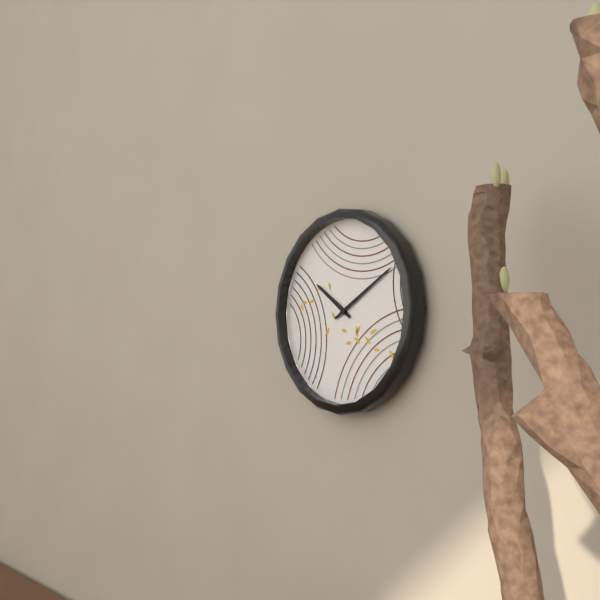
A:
**10:10**
